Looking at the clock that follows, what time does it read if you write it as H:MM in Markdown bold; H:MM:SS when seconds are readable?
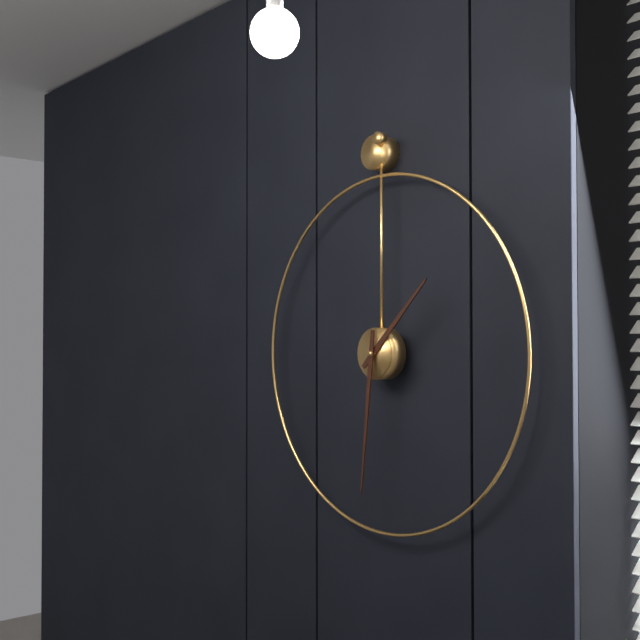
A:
**1:31**
